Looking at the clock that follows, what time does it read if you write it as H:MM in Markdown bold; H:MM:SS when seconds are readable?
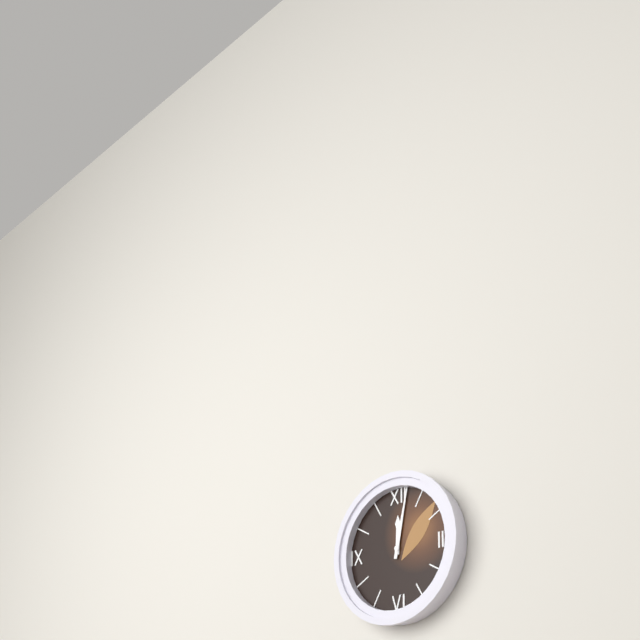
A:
**12:02**
